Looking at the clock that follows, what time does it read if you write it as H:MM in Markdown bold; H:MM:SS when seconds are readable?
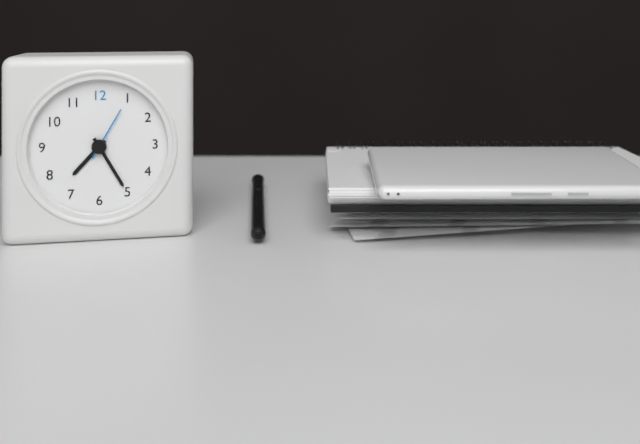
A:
**7:25:05**
